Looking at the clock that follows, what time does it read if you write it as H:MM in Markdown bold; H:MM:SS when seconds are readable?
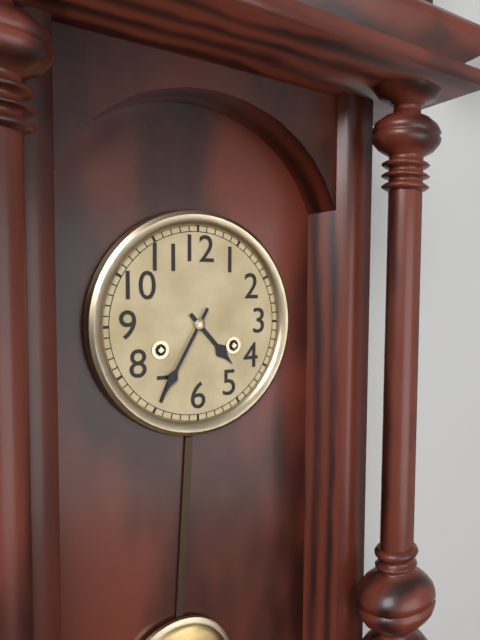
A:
**4:35**
